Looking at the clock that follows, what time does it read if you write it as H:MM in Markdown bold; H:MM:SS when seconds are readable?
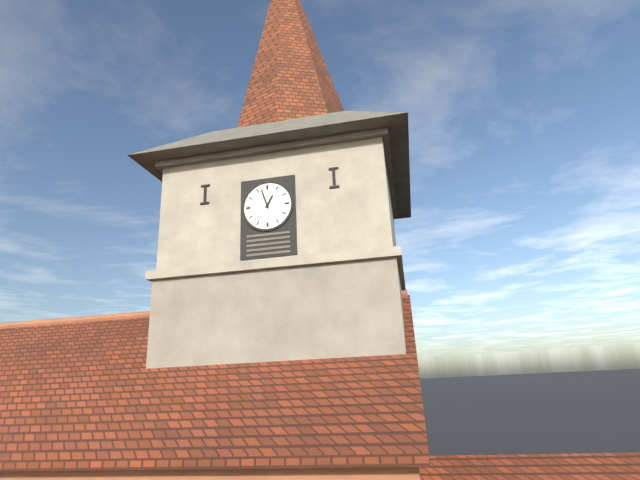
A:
**12:57**
